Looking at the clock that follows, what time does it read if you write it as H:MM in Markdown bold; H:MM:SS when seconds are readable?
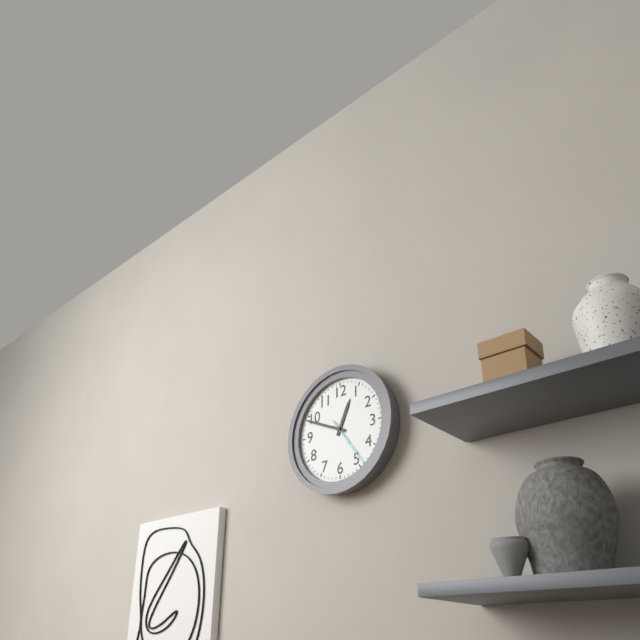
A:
**12:49:24**
